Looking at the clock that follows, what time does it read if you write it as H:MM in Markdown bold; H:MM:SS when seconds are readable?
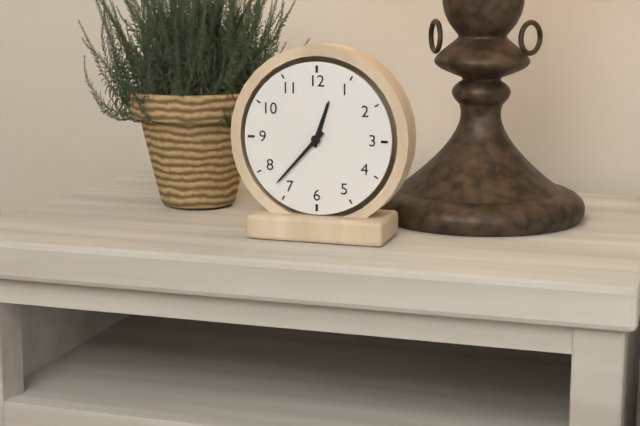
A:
**12:37**
